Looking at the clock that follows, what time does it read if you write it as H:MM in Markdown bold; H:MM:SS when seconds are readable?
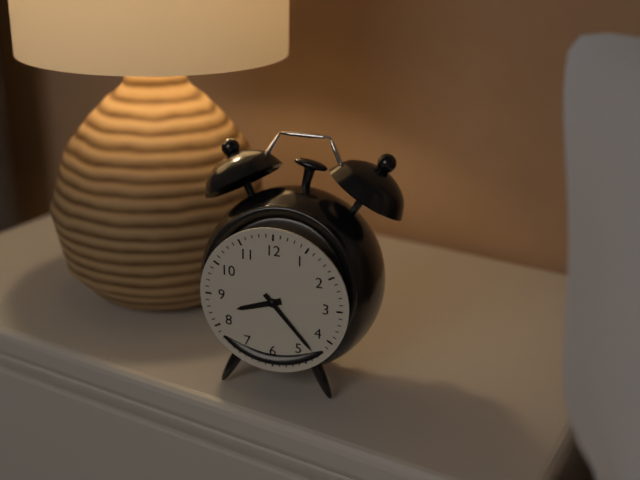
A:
**8:23**
